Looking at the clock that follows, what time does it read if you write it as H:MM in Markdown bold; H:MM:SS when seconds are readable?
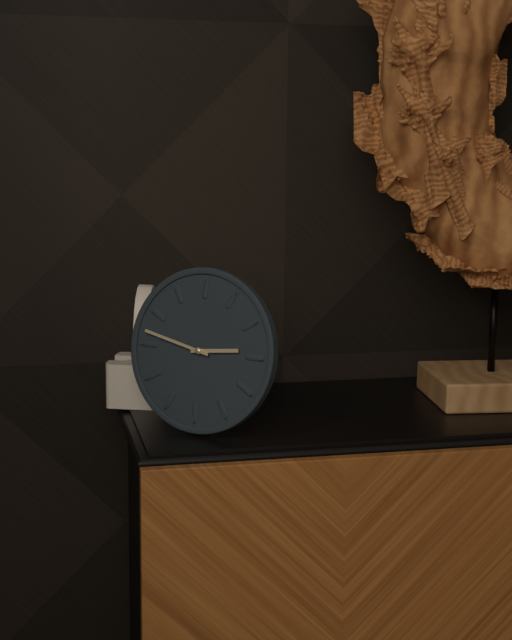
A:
**2:47**
